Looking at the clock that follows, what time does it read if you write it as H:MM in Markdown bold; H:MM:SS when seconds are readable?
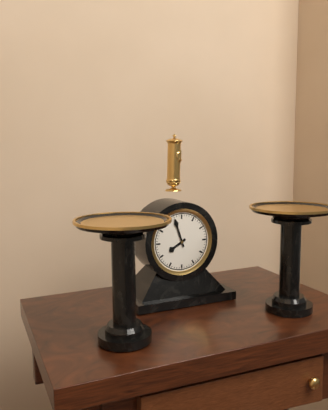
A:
**7:57**
